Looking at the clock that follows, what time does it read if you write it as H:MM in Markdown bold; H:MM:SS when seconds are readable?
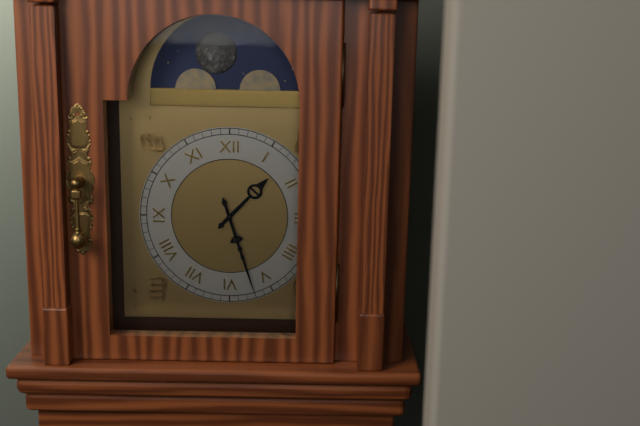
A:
**1:27**
